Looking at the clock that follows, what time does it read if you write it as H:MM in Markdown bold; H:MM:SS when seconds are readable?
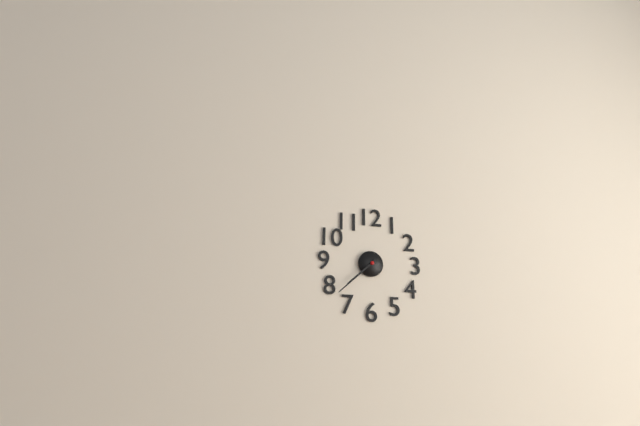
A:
**7:38**
